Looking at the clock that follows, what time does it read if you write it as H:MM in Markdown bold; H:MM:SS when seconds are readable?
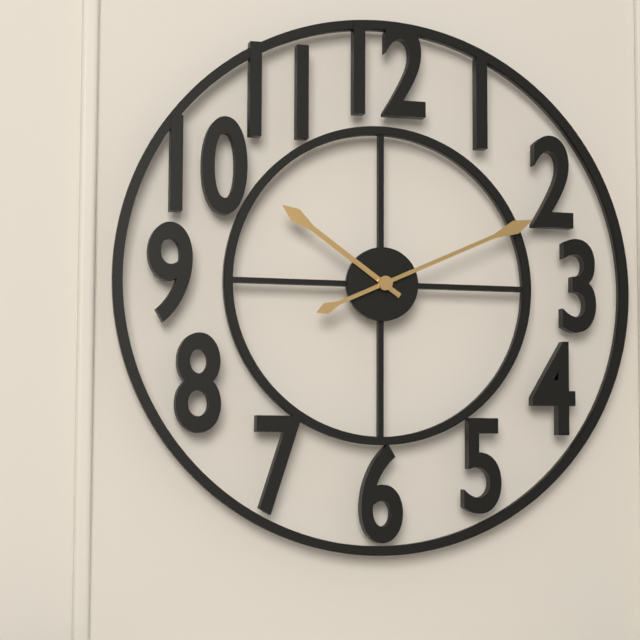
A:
**10:11**
